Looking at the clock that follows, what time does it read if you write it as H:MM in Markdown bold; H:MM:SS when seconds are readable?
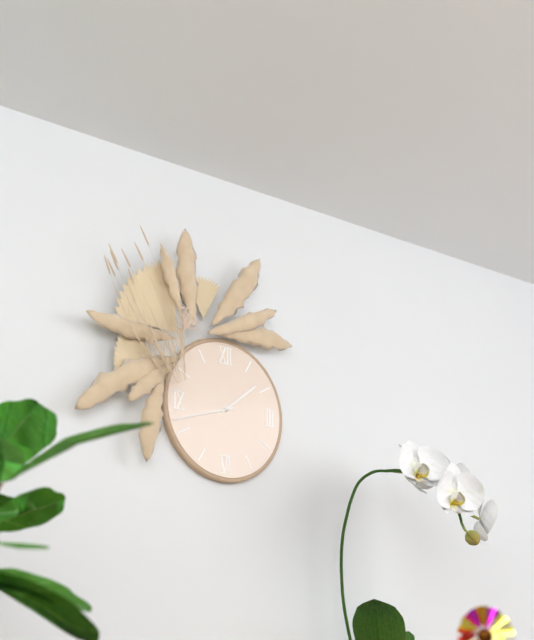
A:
**1:42**
